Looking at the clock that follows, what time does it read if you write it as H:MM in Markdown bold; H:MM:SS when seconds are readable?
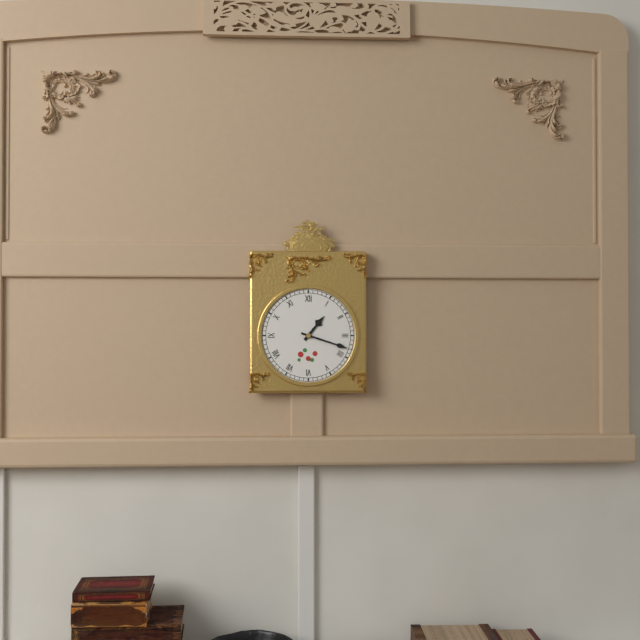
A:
**1:18**
